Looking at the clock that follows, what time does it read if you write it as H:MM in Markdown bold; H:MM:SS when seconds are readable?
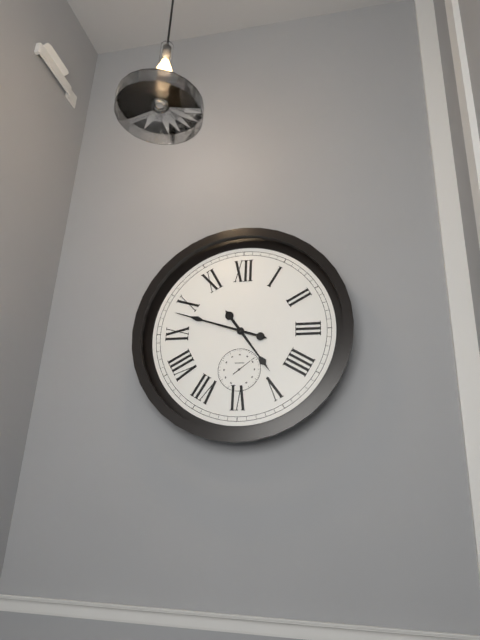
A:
**4:48**
